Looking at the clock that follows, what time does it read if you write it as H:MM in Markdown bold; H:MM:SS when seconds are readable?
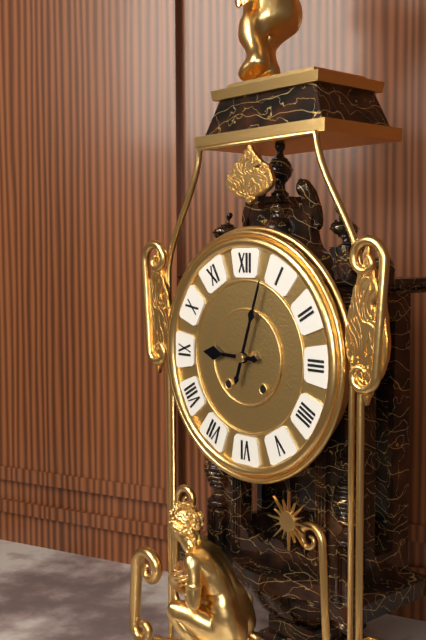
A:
**9:03**
